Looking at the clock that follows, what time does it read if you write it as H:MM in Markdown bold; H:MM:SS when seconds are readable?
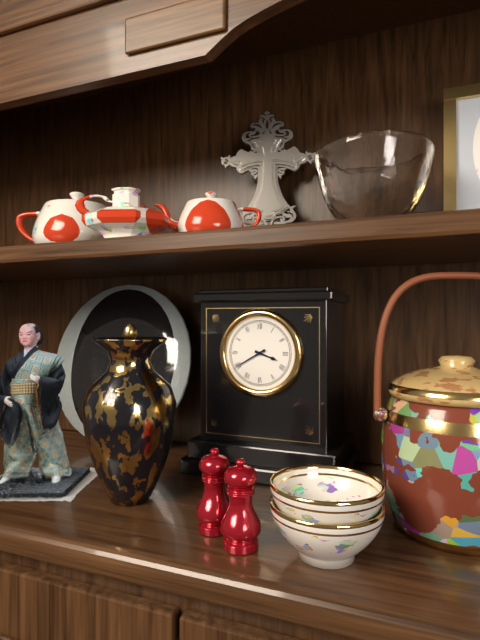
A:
**3:40**
